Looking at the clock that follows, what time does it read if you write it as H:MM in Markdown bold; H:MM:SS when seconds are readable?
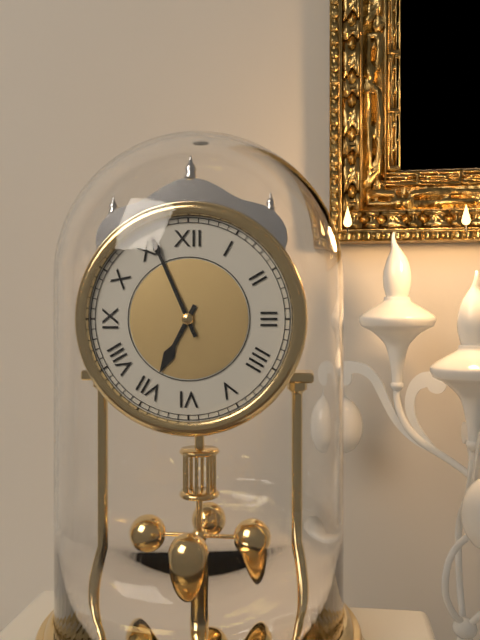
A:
**6:56**
